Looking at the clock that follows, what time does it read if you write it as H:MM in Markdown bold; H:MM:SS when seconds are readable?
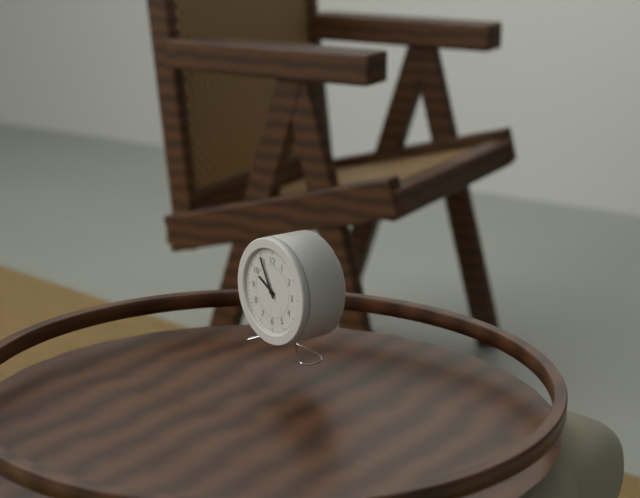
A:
**9:55**
